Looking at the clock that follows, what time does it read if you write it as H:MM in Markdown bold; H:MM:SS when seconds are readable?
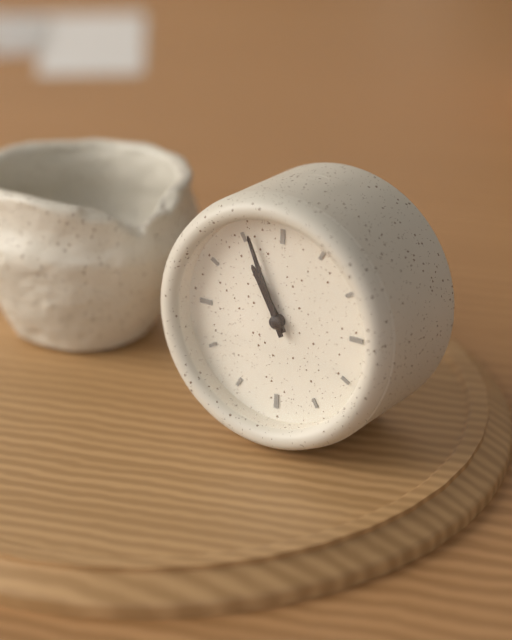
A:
**10:56**
